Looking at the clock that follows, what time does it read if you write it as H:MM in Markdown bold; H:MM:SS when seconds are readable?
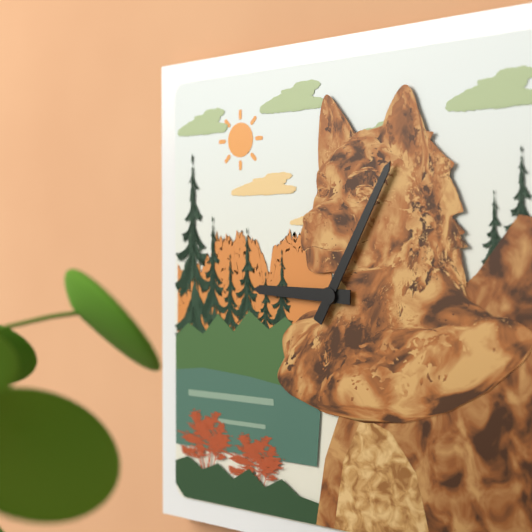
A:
**9:05**
